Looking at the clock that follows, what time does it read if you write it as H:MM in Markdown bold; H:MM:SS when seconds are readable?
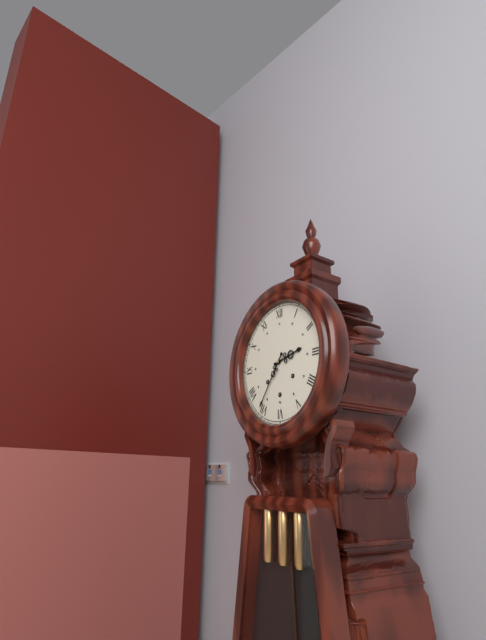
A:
**2:36**
